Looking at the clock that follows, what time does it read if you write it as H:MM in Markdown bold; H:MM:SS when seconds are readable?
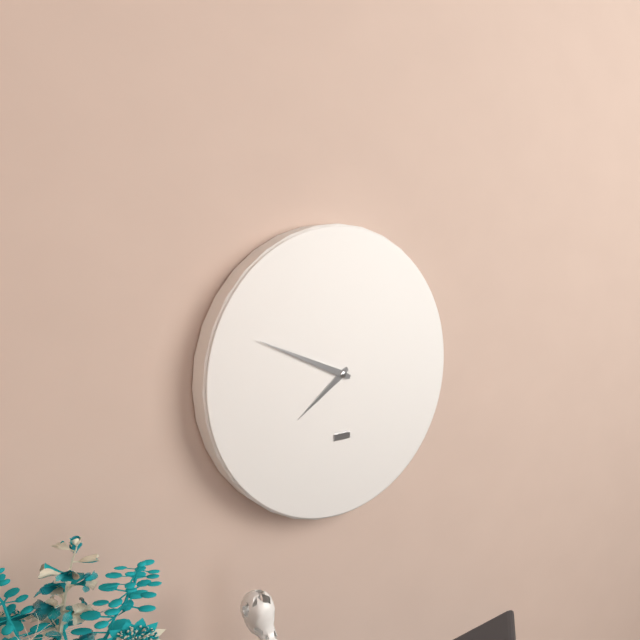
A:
**7:49**
